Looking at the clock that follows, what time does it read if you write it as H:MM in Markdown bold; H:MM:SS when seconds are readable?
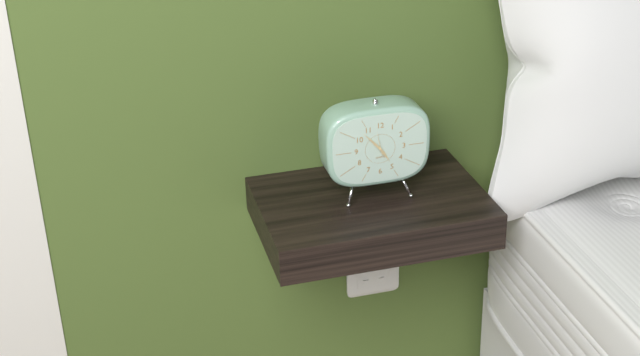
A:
**4:53**
